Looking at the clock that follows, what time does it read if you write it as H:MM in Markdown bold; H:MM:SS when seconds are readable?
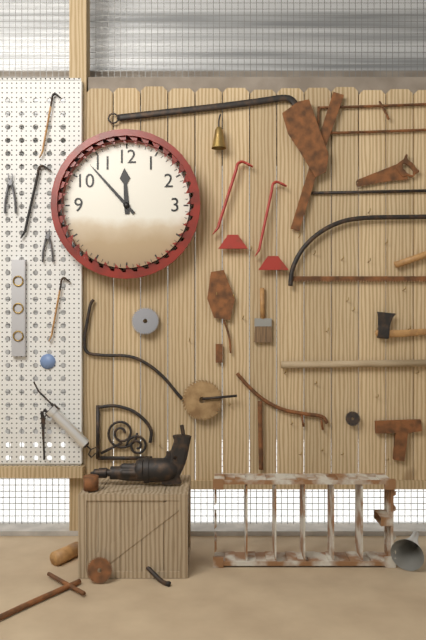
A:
**11:53**
